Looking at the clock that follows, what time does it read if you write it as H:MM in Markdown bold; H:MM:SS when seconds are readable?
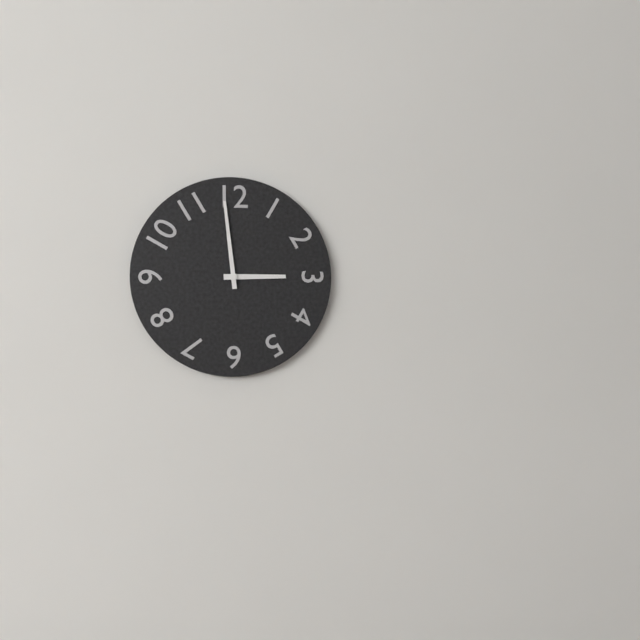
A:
**2:59**
